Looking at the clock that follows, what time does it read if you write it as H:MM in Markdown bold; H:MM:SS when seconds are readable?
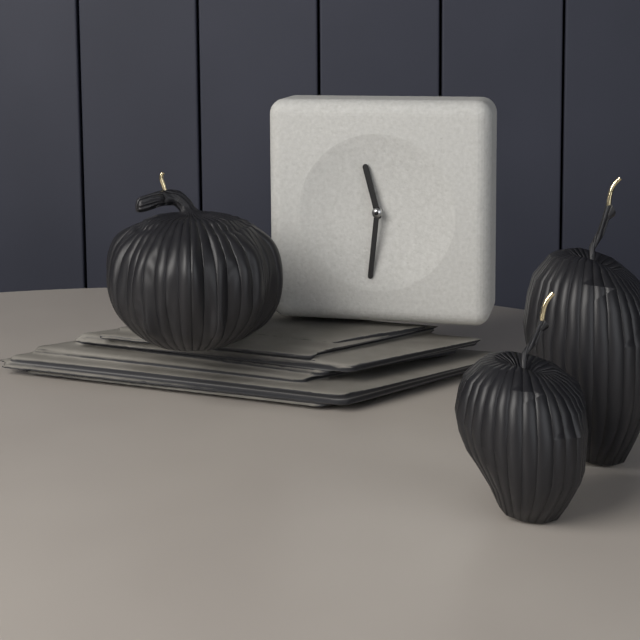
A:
**11:31**
